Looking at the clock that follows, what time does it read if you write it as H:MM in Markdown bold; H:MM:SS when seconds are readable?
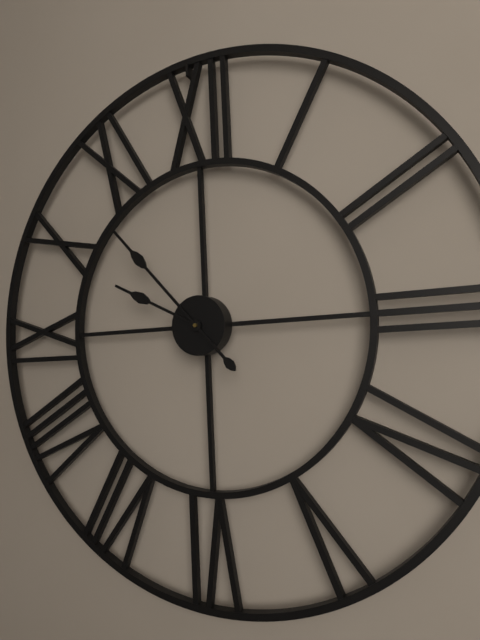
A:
**9:53**
